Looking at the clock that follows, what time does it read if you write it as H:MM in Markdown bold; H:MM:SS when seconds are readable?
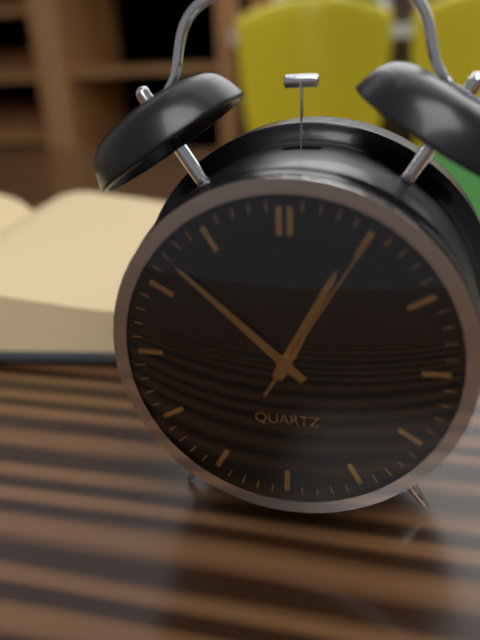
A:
**12:52:05**
